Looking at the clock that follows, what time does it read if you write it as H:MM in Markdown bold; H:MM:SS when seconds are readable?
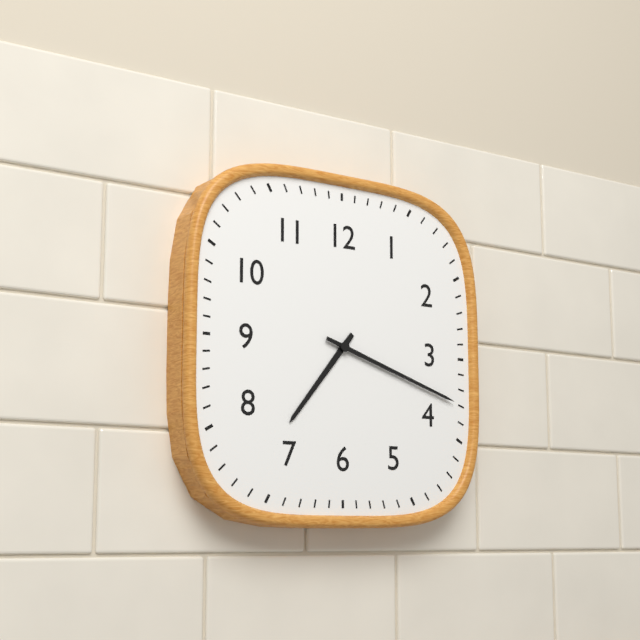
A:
**7:18**
